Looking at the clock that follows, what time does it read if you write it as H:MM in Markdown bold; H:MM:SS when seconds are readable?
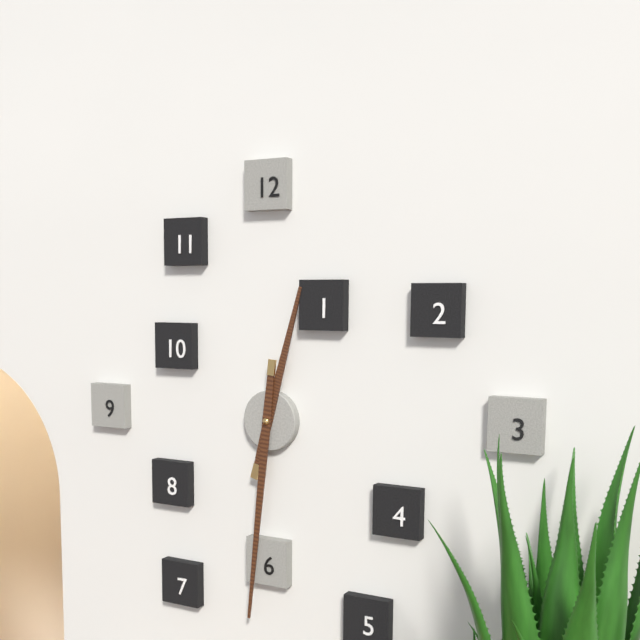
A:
**12:31**
